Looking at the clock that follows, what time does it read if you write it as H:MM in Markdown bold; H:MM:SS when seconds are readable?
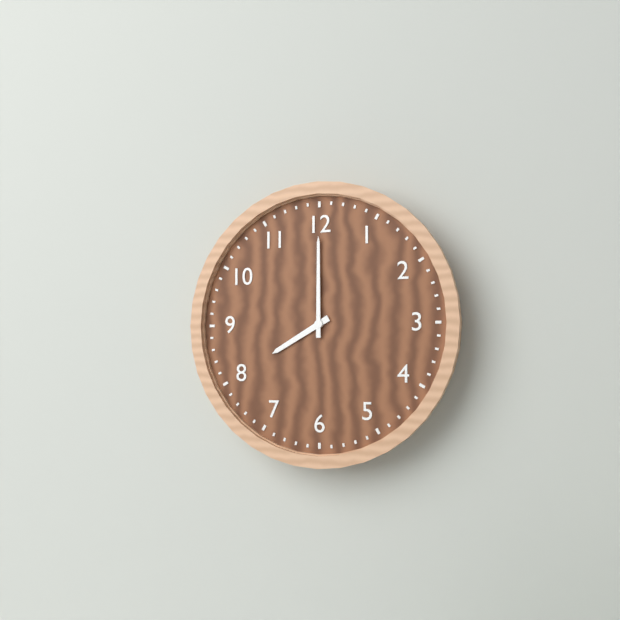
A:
**8:00**
